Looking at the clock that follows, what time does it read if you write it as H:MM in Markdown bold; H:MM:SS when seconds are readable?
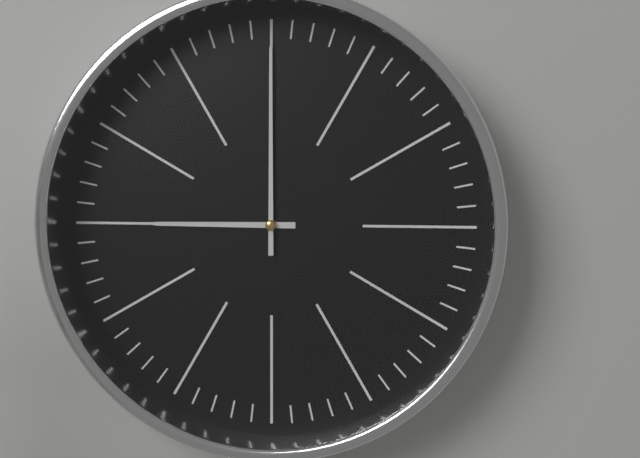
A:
**9:00**
